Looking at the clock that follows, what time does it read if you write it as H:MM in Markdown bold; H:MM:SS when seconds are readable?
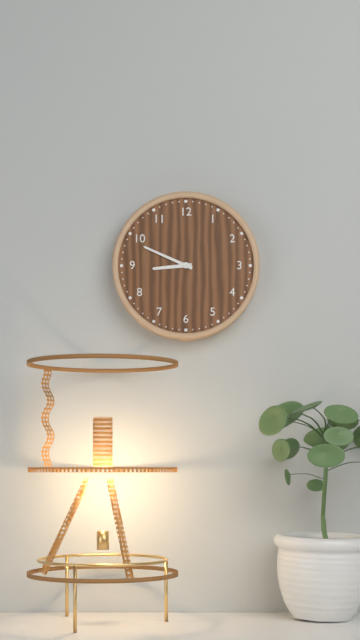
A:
**8:49**
